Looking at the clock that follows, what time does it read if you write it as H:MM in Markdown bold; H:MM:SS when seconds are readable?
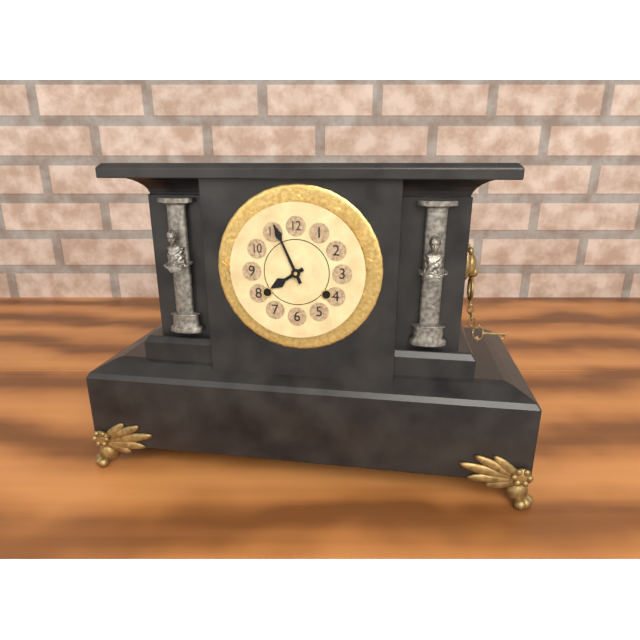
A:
**7:56**
